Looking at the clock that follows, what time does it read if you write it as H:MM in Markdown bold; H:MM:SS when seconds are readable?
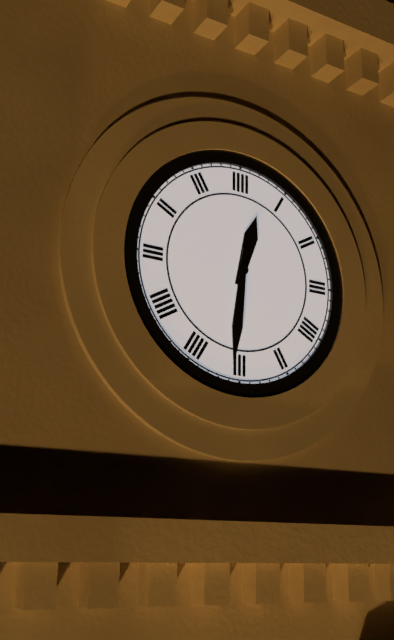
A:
**12:31**
